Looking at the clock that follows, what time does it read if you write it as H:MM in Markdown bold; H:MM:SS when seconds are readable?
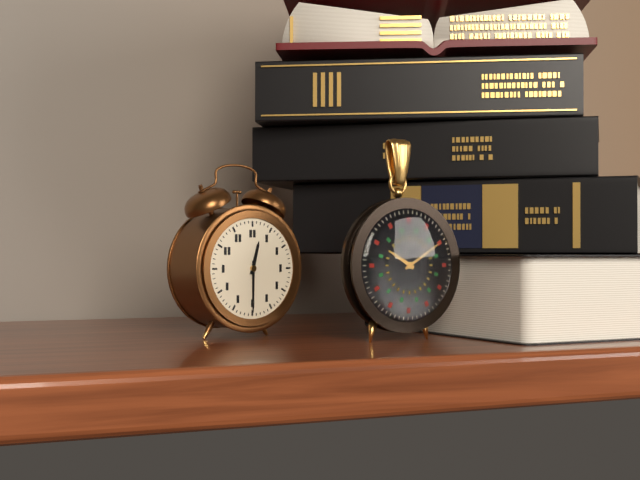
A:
**12:30**
